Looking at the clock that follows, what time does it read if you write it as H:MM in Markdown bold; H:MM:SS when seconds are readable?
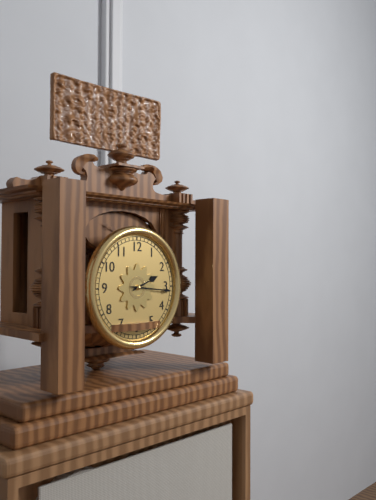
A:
**2:16**
